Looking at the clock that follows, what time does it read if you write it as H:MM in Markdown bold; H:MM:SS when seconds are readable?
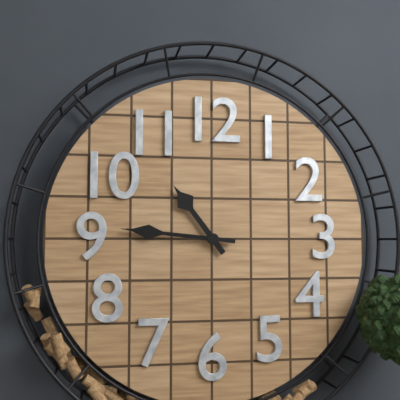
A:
**10:46**
